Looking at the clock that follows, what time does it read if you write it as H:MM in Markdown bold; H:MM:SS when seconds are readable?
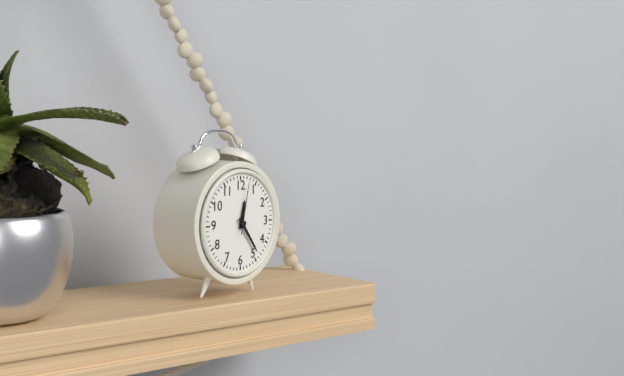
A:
**12:24:02**
